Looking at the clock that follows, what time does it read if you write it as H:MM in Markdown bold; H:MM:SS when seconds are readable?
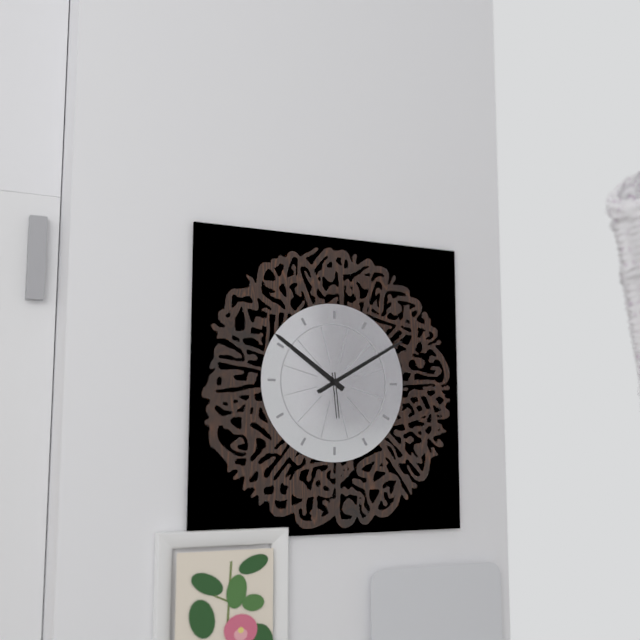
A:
**10:10**
